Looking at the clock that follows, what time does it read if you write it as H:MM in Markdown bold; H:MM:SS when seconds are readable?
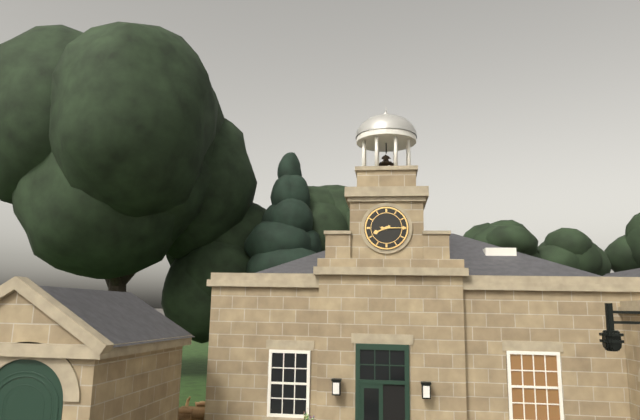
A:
**8:15**
